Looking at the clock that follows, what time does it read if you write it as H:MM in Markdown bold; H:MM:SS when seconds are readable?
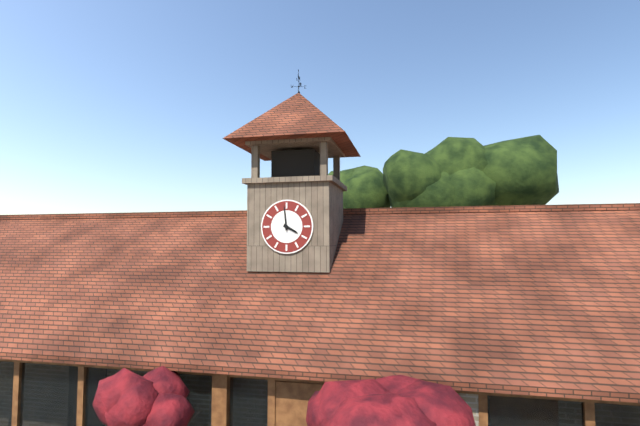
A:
**3:59**
